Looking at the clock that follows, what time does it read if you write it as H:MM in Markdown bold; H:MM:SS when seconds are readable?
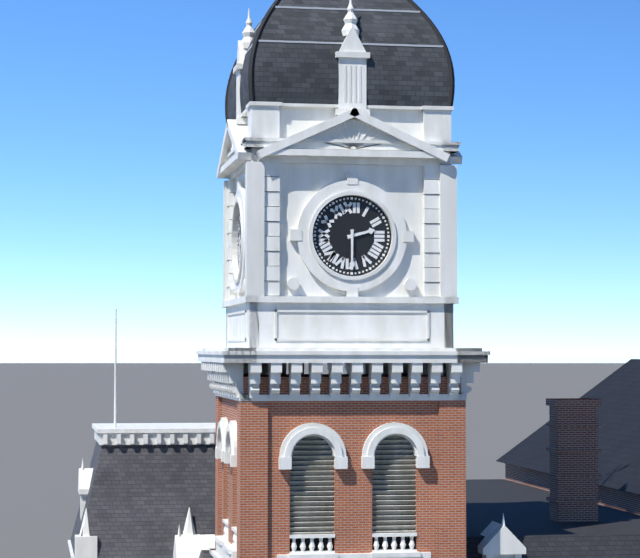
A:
**2:30**
